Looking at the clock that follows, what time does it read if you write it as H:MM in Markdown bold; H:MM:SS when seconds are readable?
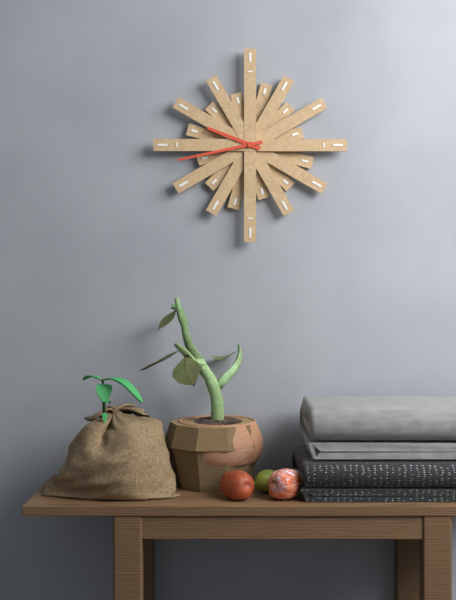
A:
**9:43**
